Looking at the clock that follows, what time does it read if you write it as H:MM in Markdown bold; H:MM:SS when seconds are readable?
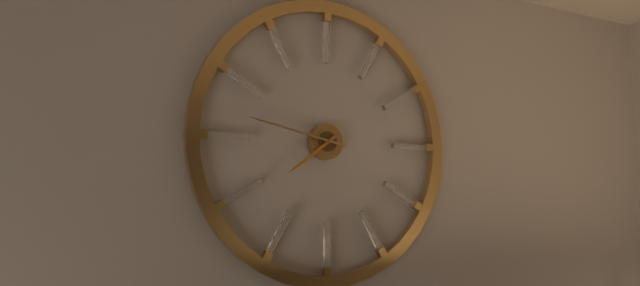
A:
**7:47**
